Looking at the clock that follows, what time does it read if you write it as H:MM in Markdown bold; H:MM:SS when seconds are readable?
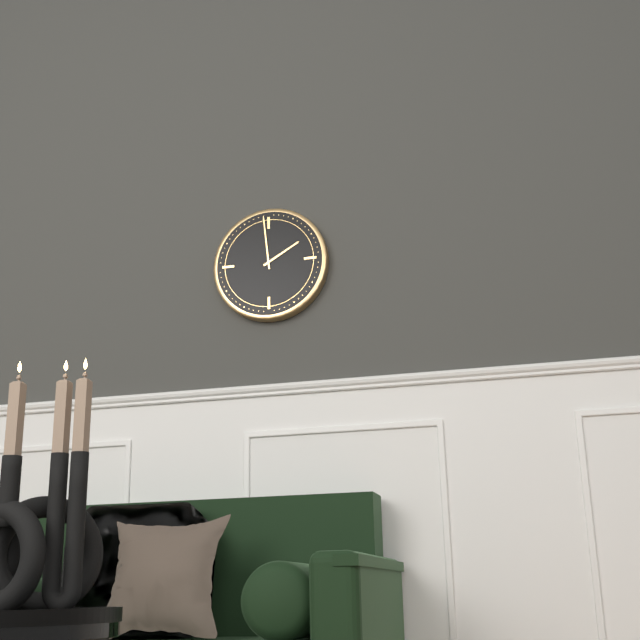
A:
**1:59**
